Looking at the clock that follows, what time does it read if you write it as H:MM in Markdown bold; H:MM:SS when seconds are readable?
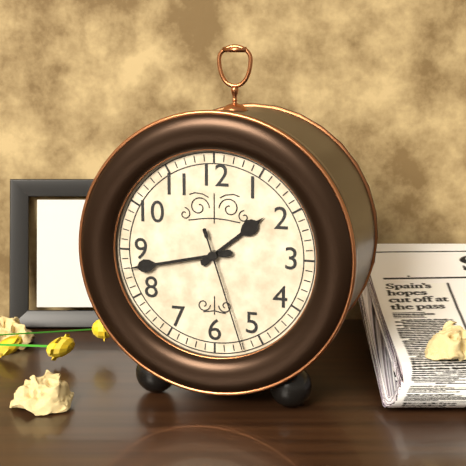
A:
**1:43:27**
